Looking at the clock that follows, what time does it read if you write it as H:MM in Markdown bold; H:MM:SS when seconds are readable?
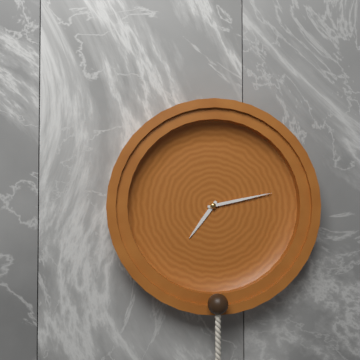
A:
**7:13**
